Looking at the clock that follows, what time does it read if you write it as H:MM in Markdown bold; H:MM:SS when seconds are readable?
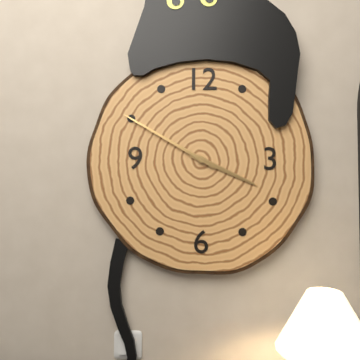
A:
**3:50**
